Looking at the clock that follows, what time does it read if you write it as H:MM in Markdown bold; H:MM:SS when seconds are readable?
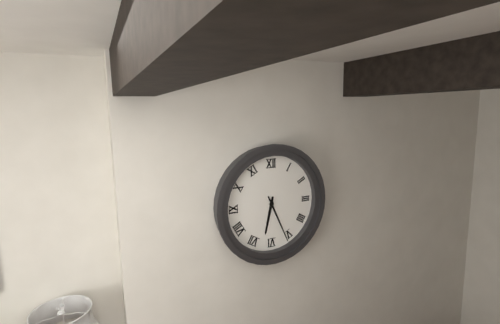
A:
**6:26**
